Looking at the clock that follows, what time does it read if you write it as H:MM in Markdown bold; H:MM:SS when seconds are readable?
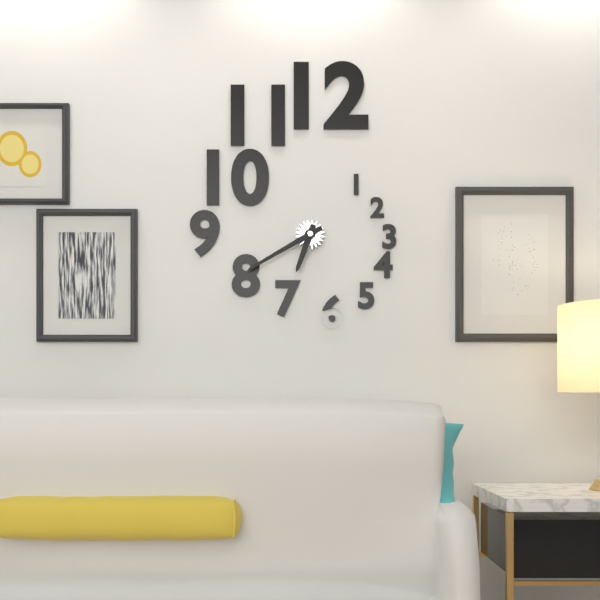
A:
**6:40**
